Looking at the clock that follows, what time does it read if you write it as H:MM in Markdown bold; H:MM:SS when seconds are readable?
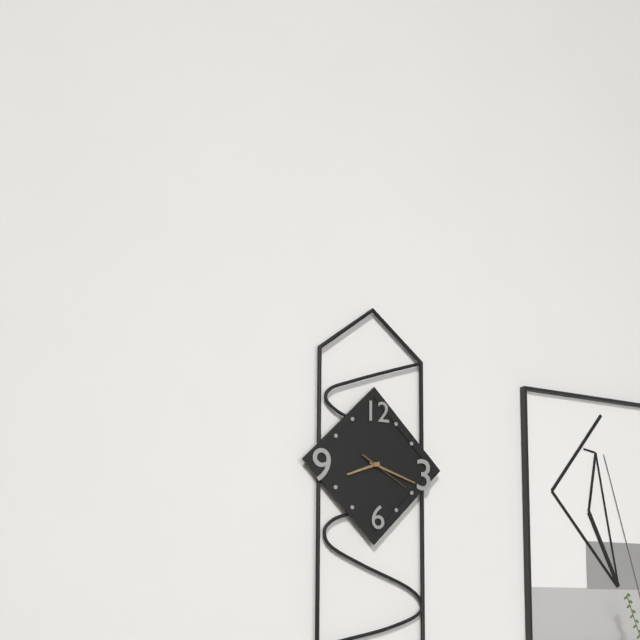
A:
**8:18:20**
